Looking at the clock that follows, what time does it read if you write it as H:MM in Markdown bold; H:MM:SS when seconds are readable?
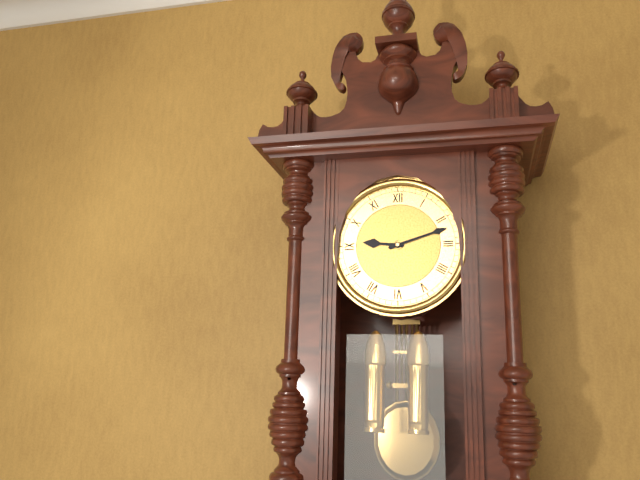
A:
**9:12**
